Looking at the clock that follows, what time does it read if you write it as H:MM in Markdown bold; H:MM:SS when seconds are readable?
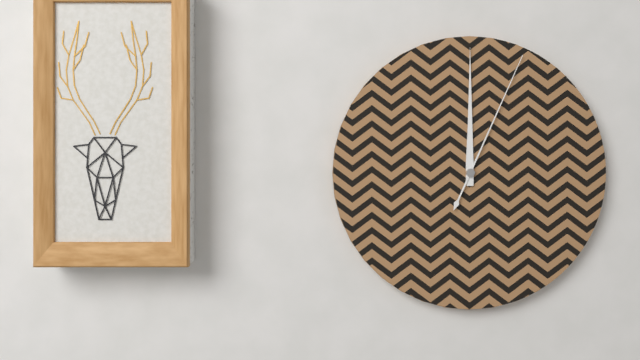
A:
**12:00:04**
